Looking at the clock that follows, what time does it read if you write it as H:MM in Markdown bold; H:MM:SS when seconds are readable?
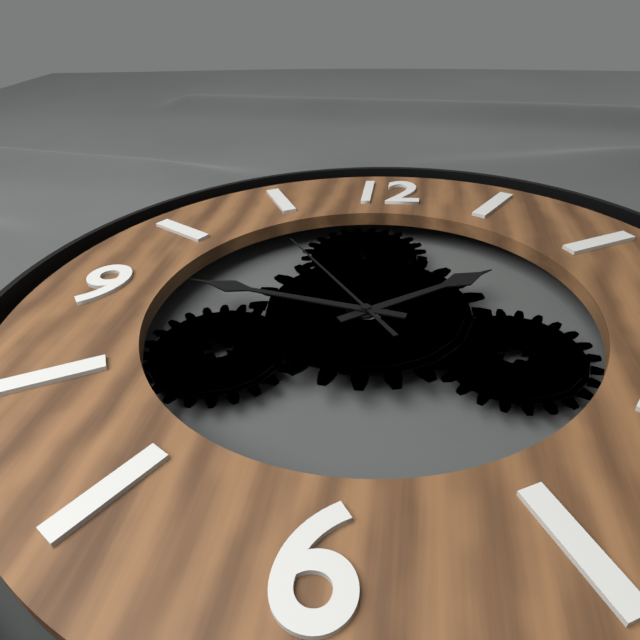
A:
**1:47:54**
